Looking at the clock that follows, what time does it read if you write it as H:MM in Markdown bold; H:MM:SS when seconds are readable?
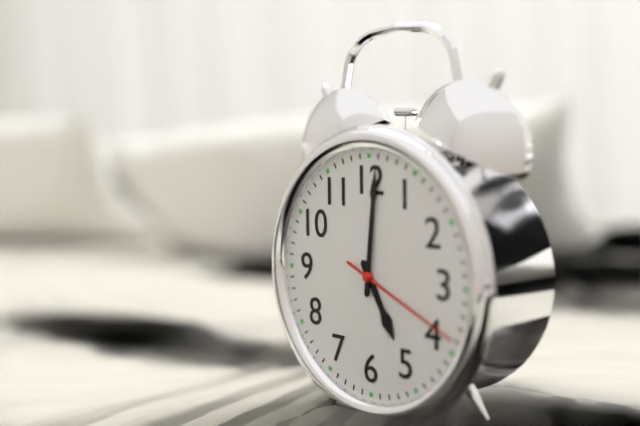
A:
**5:01:19**
